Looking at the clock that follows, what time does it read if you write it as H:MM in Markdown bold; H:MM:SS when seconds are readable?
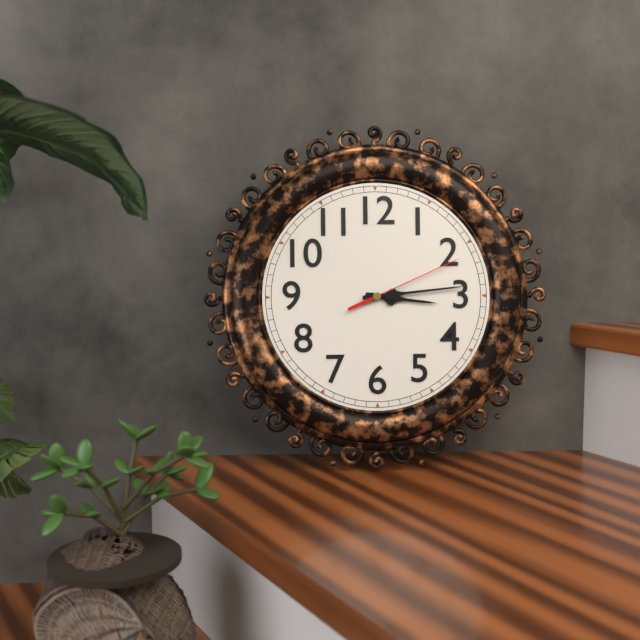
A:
**3:14:11**
